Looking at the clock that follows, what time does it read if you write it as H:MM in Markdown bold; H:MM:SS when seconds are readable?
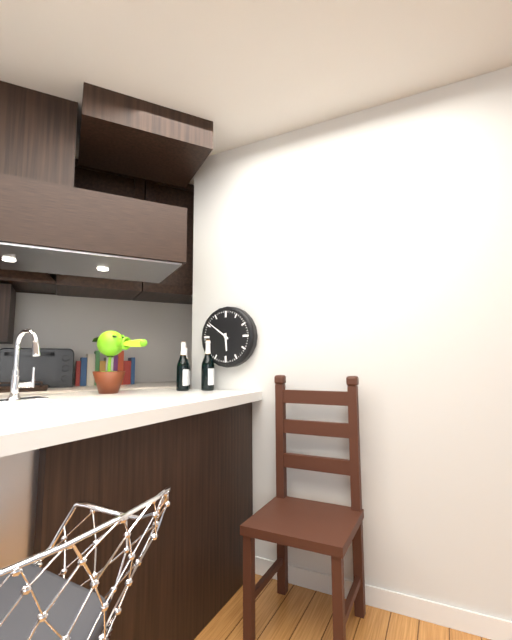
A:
**5:51**
